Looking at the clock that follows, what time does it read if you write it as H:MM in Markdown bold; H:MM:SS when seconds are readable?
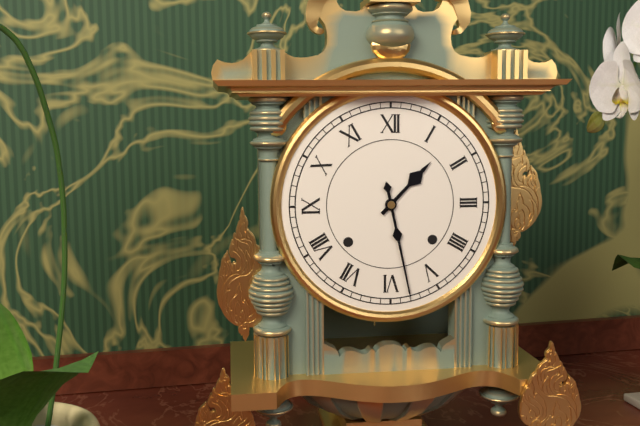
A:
**1:28**
